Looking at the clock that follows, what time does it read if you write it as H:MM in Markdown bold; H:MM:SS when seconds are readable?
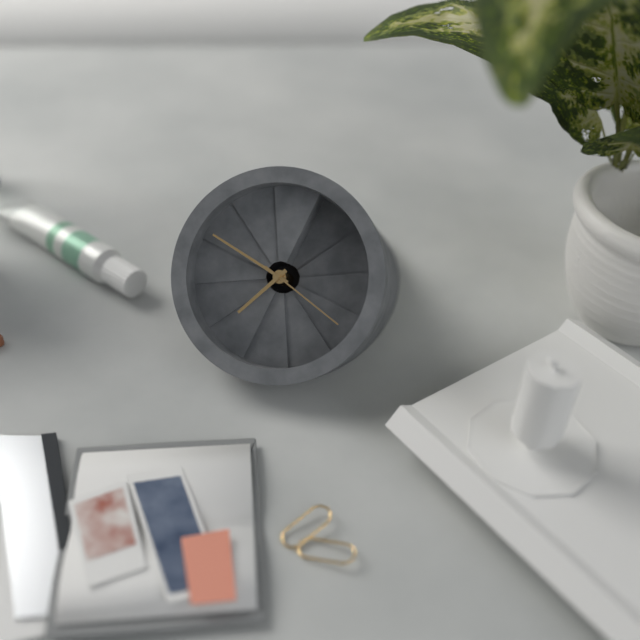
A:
**6:46:17**
